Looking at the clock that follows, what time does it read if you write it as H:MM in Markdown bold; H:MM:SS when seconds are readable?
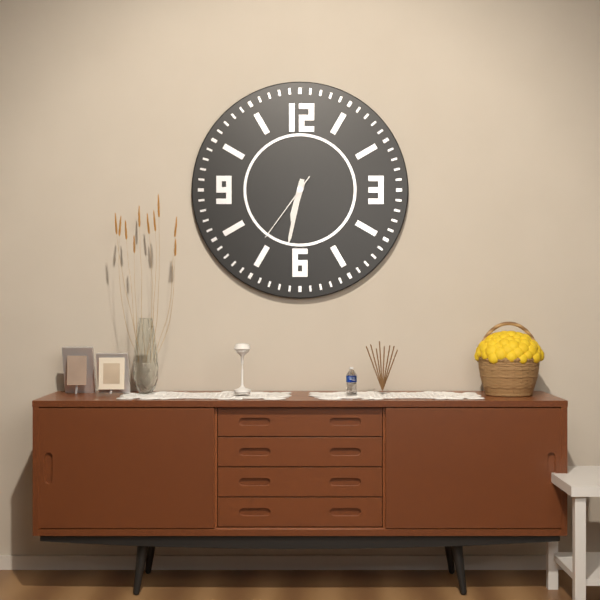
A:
**6:32:36**
